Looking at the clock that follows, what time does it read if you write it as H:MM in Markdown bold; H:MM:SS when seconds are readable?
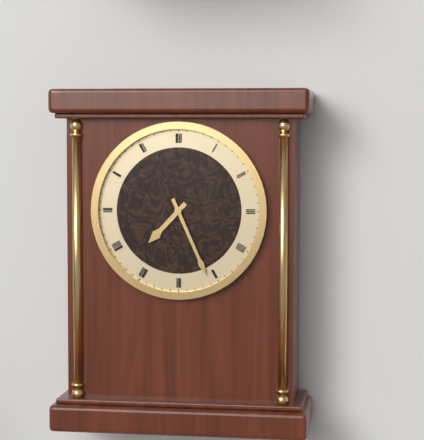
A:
**7:26**
